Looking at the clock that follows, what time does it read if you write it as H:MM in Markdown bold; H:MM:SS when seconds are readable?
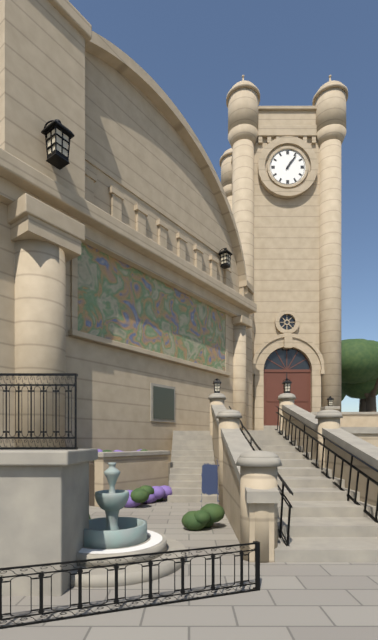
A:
**1:06**
